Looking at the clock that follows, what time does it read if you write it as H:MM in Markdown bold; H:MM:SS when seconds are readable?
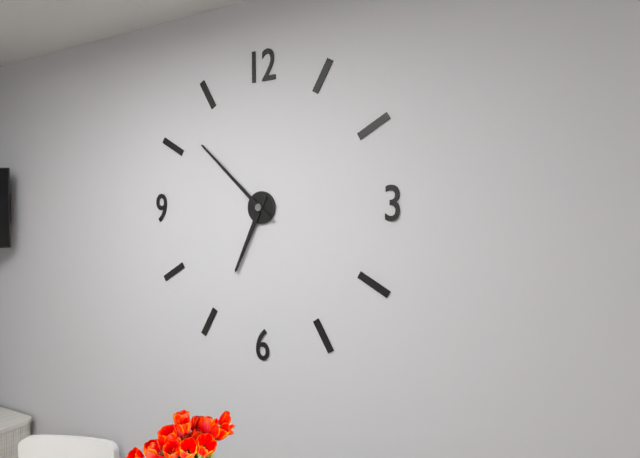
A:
**6:52**
